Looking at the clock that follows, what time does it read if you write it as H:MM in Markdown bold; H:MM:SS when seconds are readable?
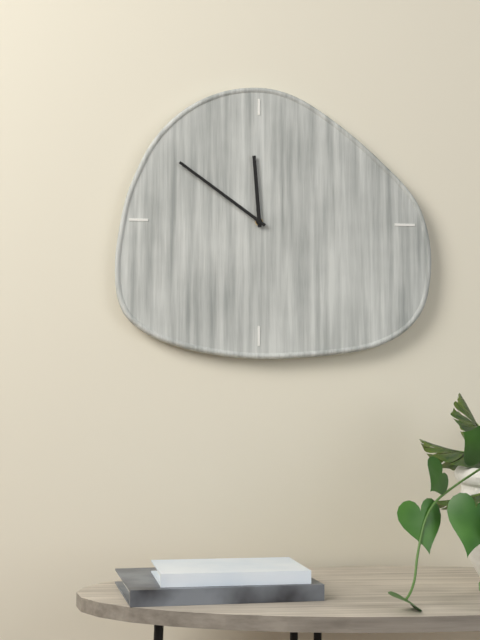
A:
**11:51**
